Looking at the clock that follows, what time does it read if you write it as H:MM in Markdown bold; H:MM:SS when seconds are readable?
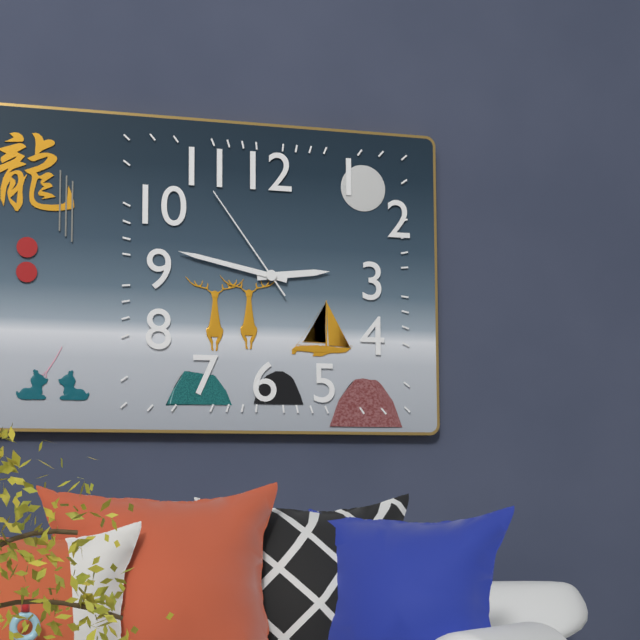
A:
**2:47:54**
